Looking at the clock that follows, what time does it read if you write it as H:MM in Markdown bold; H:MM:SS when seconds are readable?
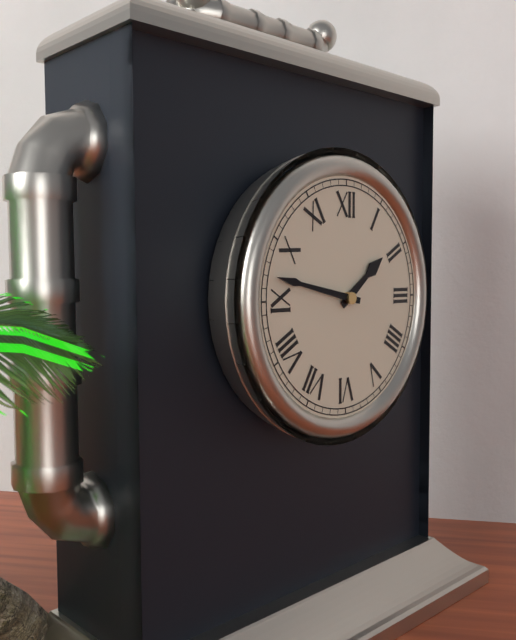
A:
**1:47**
